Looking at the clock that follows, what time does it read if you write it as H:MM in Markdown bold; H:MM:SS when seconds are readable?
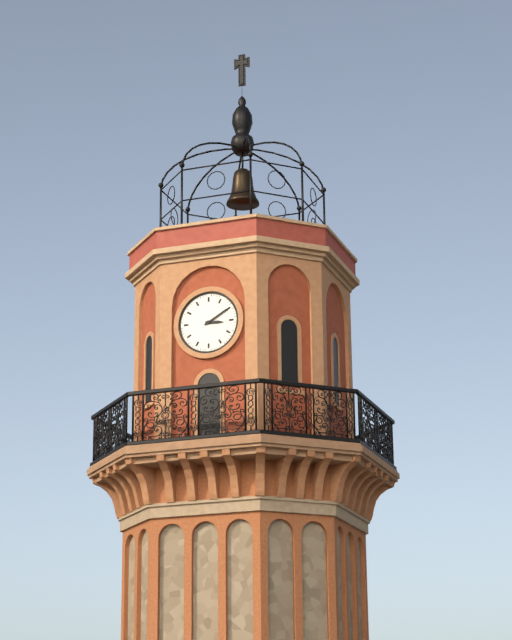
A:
**3:10**
